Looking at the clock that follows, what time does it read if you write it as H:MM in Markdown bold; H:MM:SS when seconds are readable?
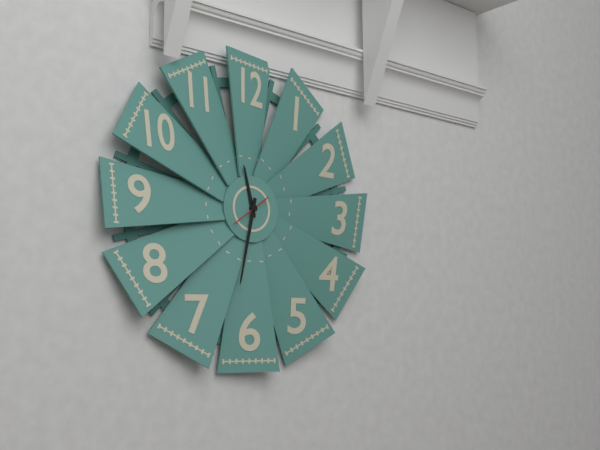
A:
**11:32**
